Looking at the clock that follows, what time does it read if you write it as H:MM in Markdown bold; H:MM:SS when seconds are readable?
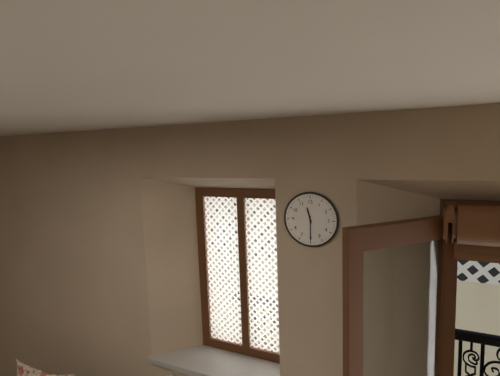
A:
**11:30**
